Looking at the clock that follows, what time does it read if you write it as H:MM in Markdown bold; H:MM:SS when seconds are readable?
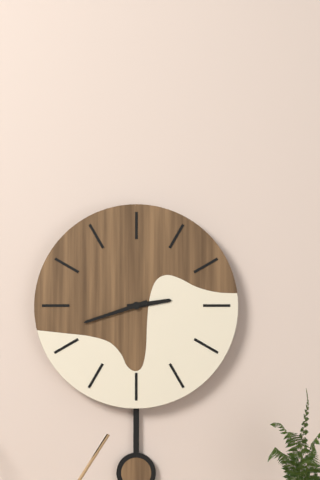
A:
**2:42**
